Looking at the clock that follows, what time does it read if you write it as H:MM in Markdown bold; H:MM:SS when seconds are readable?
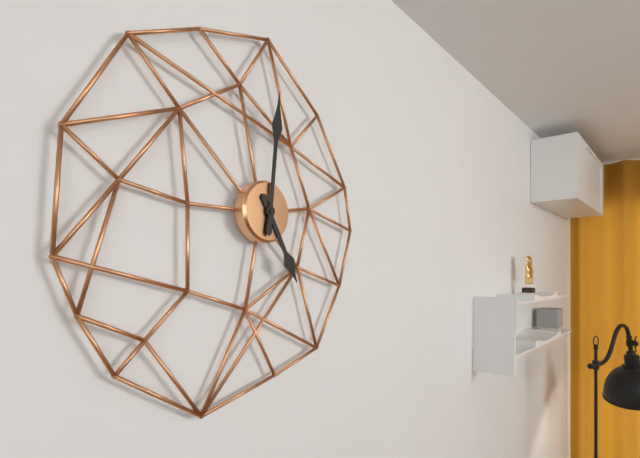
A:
**5:01**
